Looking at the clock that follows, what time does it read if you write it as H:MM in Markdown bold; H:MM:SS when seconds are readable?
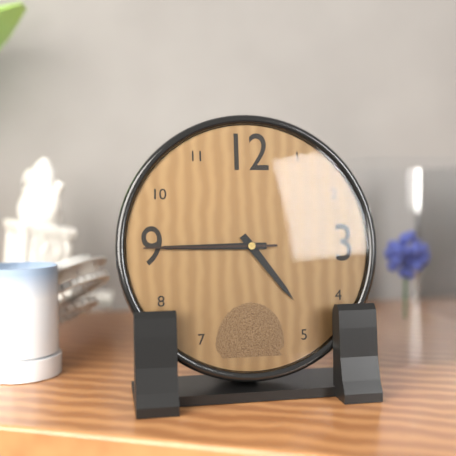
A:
**4:45:45**
